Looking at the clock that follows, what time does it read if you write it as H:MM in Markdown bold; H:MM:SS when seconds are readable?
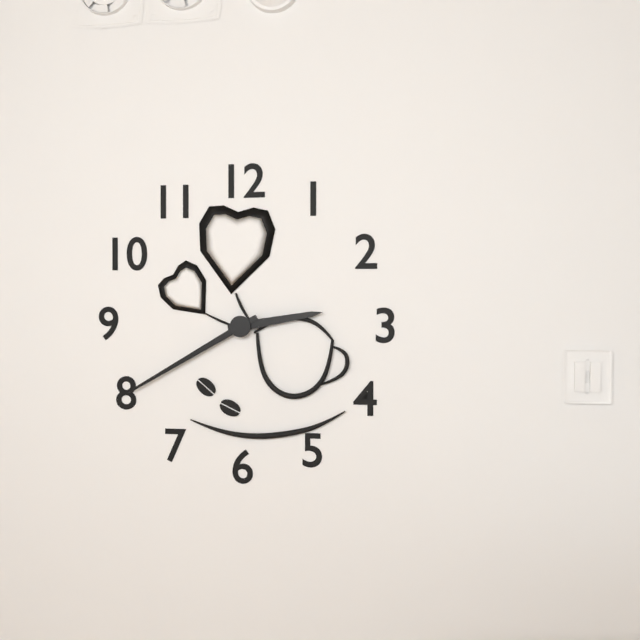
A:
**2:40**
